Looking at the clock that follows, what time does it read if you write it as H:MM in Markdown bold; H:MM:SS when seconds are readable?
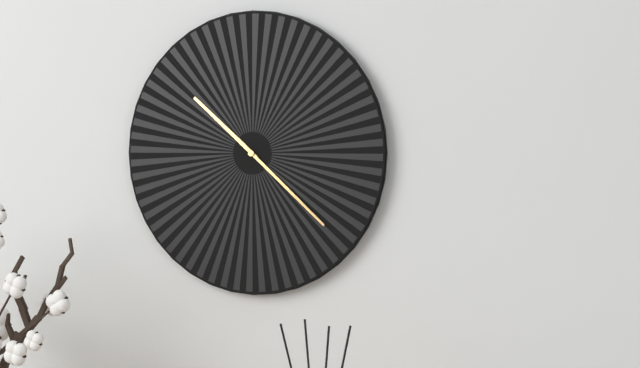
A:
**10:22**
